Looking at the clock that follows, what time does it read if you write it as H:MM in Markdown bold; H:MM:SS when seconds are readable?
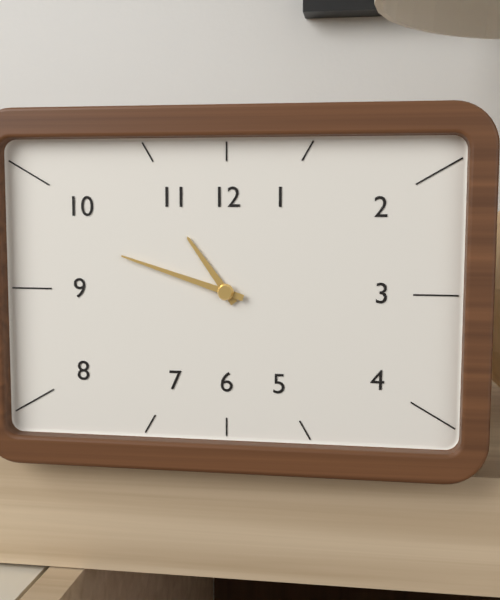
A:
**10:48**
